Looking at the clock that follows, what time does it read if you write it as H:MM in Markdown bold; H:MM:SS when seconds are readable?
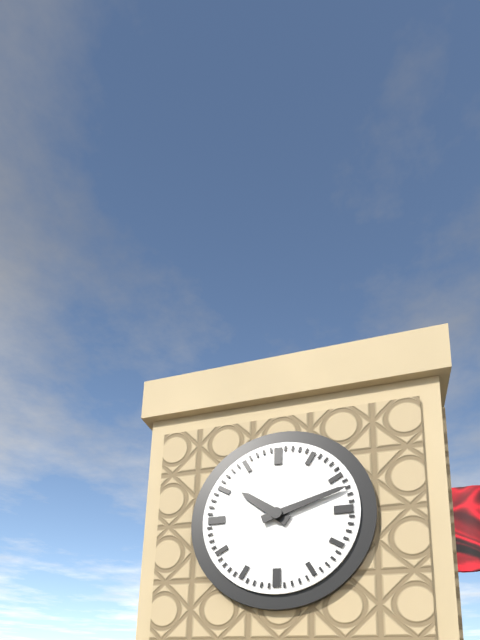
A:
**10:12**
